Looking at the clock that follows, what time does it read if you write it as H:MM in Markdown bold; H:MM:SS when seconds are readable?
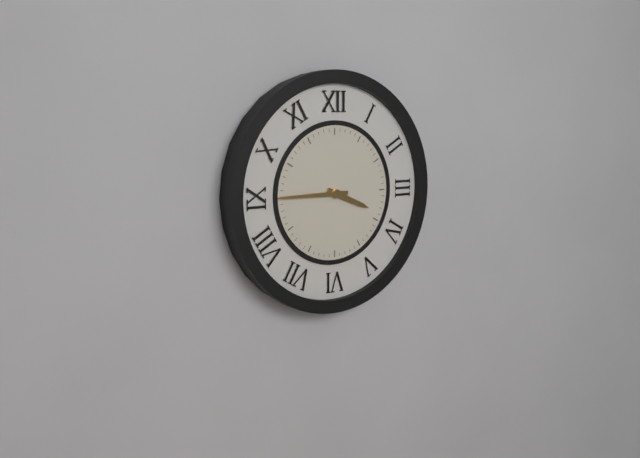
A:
**3:45**
